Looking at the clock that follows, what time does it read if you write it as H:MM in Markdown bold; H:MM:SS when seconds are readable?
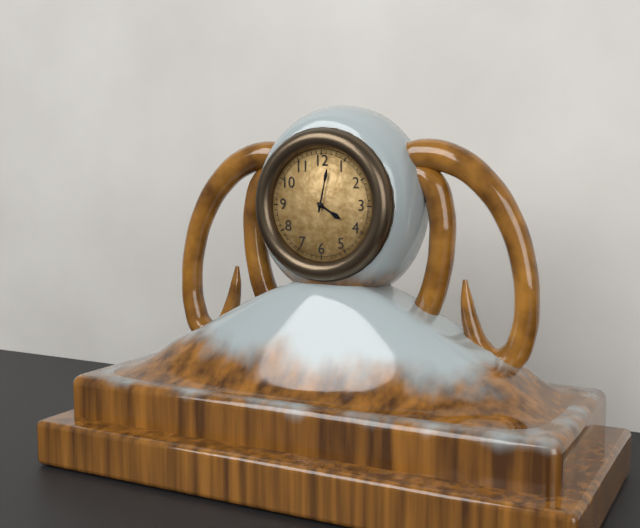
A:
**4:02**
